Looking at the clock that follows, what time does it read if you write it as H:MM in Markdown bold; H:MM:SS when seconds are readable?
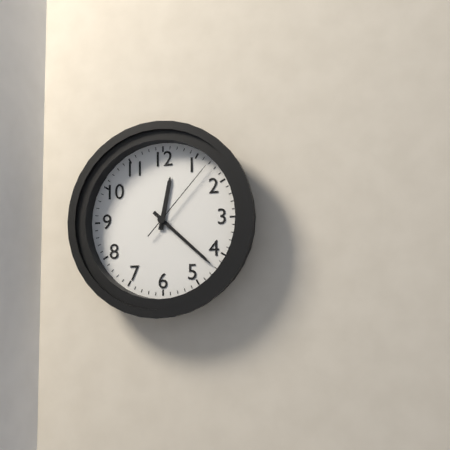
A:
**12:22:07**
